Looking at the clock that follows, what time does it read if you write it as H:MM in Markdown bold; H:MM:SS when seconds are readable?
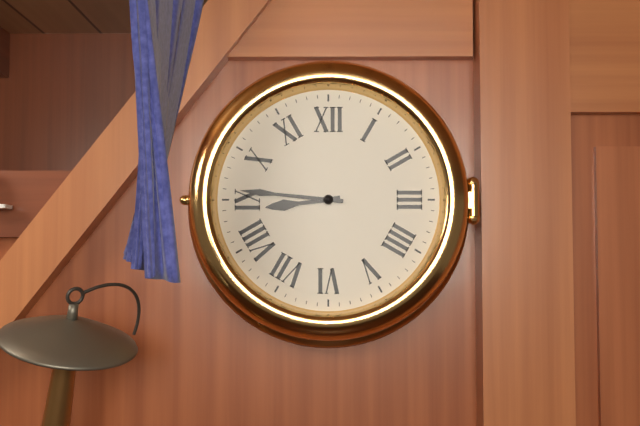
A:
**8:46**
